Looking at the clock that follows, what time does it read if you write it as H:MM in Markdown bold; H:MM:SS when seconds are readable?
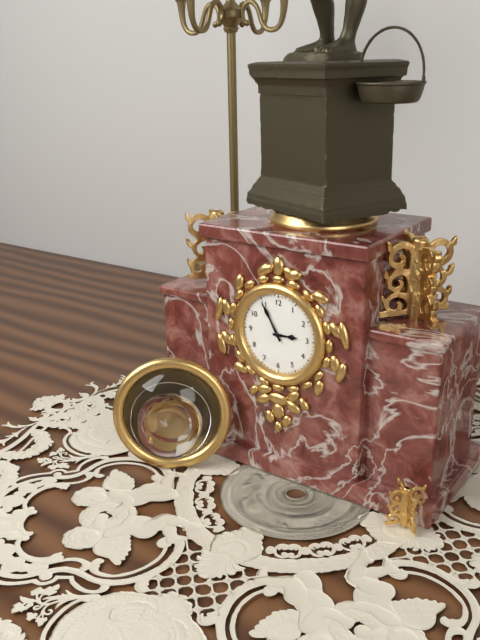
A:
**2:55**
